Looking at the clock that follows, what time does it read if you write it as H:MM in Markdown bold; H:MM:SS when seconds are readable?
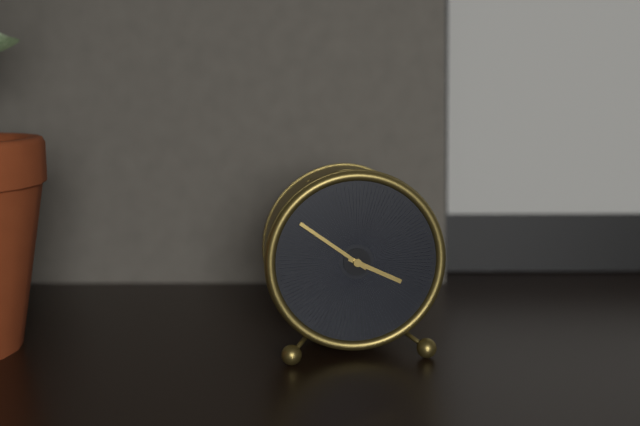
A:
**3:51**
